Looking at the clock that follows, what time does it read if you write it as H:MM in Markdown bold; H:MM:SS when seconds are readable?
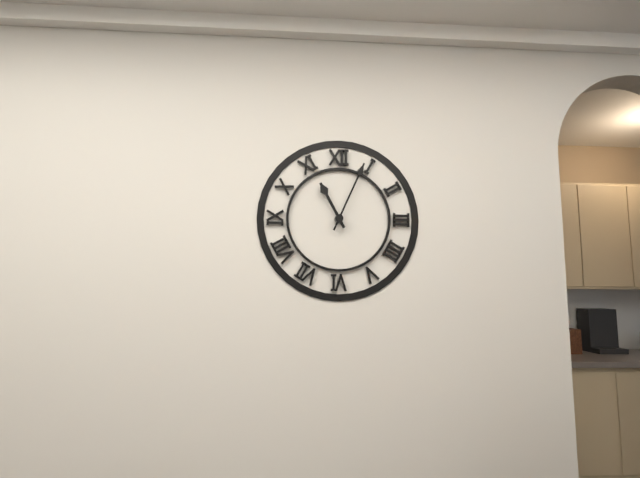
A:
**11:04**
